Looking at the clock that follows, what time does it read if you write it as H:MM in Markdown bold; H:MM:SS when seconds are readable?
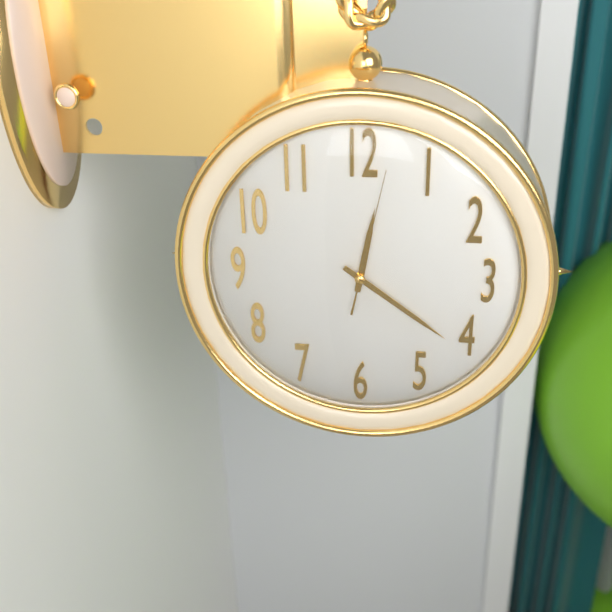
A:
**12:21:02**
